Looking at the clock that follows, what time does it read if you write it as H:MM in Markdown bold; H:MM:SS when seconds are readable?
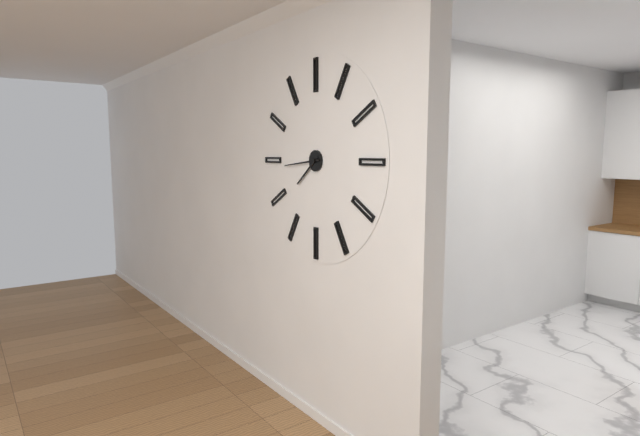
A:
**7:44**
